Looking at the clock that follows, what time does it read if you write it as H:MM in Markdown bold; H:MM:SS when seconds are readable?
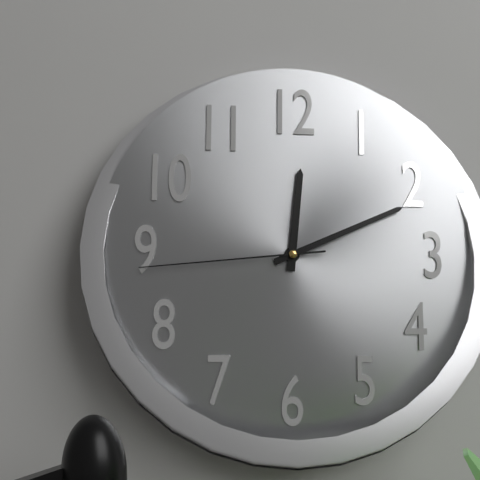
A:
**12:11:44**
